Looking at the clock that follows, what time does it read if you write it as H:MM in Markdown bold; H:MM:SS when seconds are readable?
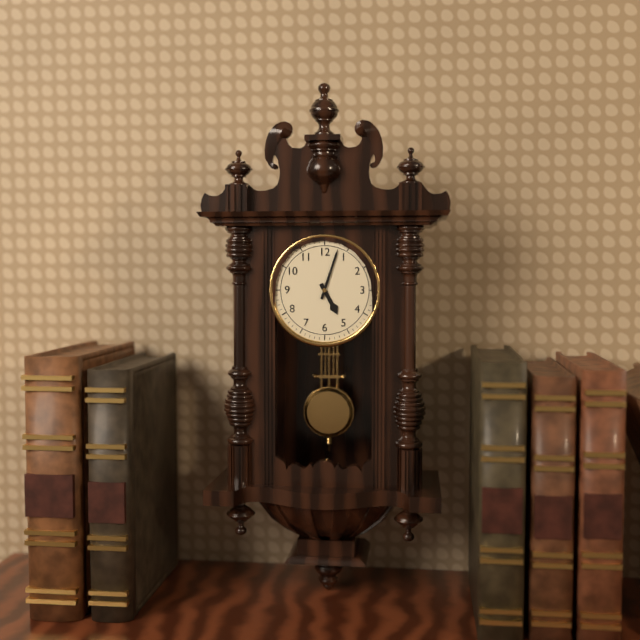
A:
**5:03**
